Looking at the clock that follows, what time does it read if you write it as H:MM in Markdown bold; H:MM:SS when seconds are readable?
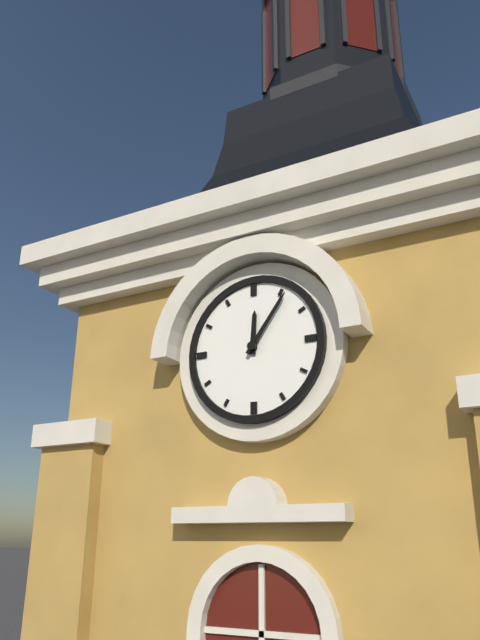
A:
**12:06**
